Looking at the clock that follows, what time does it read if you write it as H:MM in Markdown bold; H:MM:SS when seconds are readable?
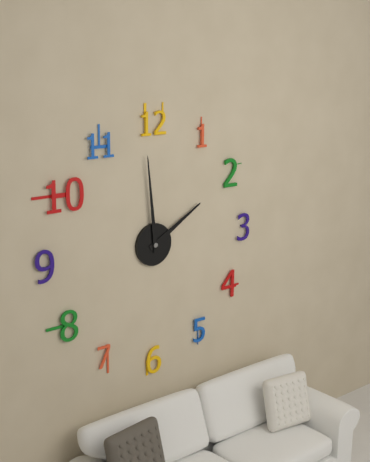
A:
**1:59**
